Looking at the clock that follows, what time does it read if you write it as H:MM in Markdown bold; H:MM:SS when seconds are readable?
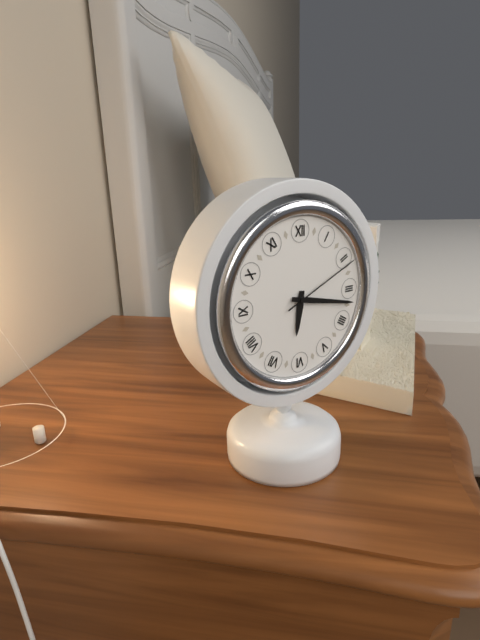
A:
**6:17:11**
